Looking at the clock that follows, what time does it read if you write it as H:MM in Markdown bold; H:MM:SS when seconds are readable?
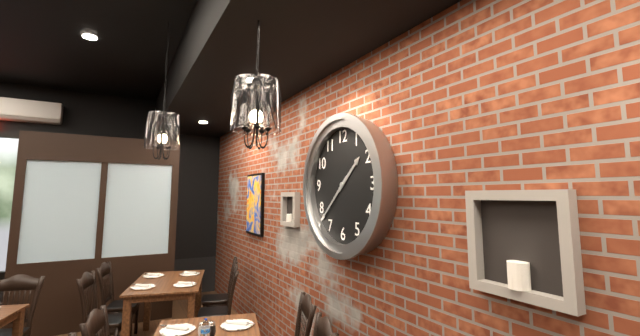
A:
**1:38**
